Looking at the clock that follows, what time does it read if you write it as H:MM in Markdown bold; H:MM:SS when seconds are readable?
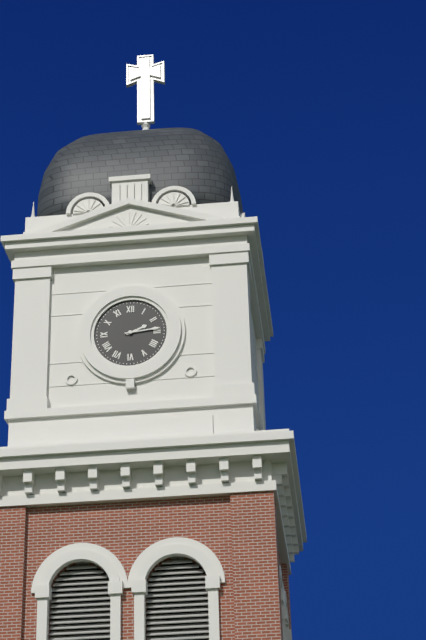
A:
**2:14**
